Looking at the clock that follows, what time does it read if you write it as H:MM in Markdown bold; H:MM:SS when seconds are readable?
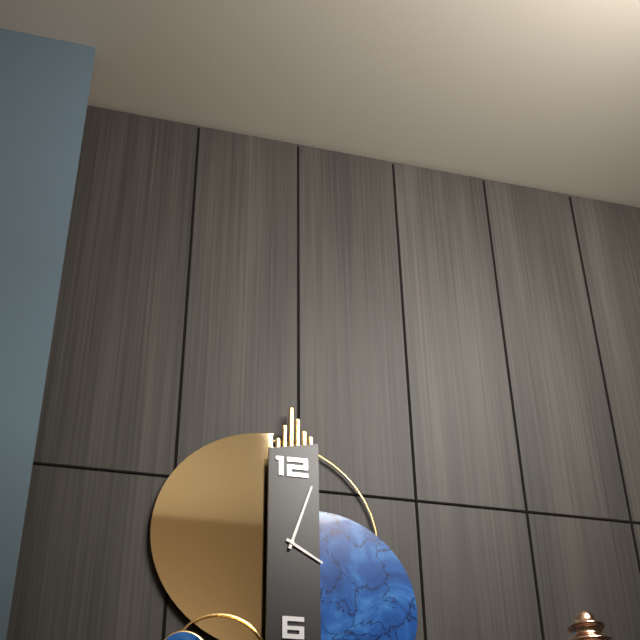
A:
**4:03**
